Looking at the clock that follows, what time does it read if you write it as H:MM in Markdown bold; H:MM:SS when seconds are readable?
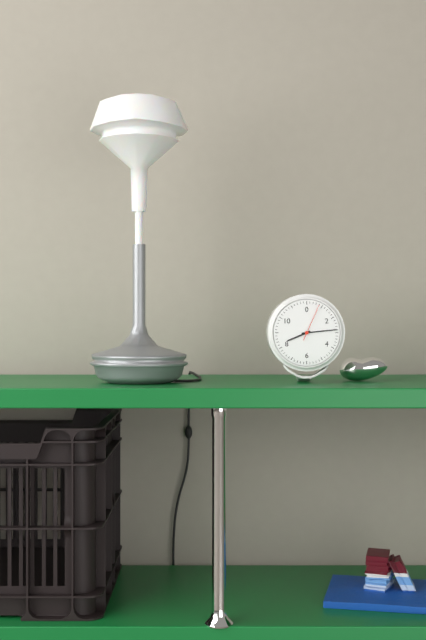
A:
**8:14**
